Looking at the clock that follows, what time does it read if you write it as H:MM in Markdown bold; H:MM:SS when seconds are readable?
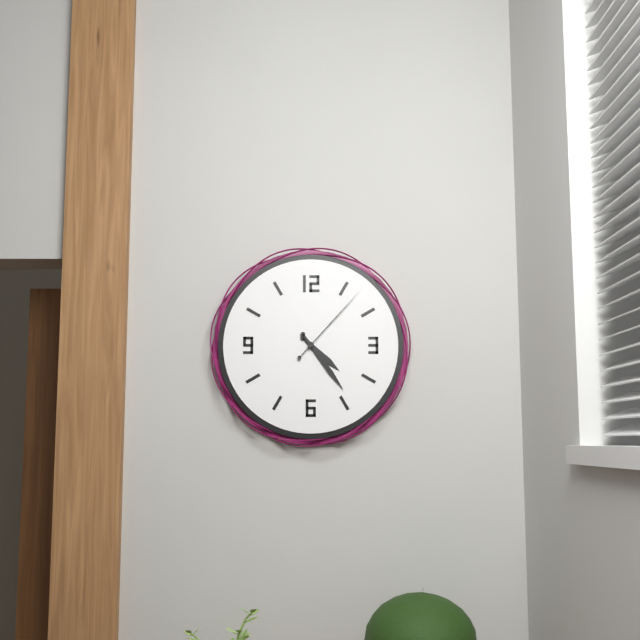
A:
**4:24:07**
